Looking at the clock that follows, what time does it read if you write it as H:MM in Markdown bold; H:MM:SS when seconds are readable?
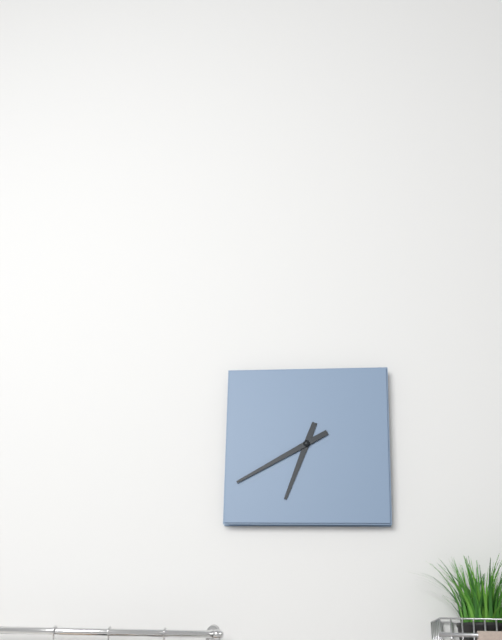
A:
**6:40**
